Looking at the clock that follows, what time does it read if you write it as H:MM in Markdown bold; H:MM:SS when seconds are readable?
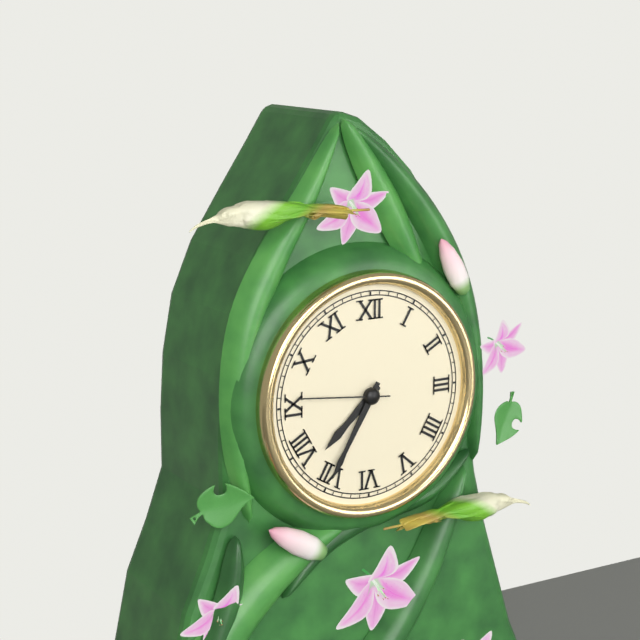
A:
**7:35**
